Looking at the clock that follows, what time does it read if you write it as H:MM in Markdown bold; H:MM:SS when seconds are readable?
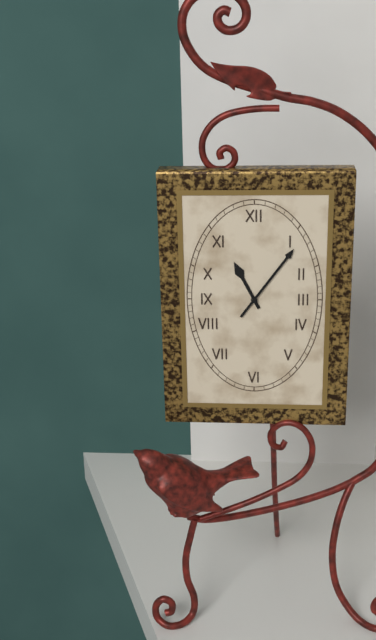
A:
**11:06**
